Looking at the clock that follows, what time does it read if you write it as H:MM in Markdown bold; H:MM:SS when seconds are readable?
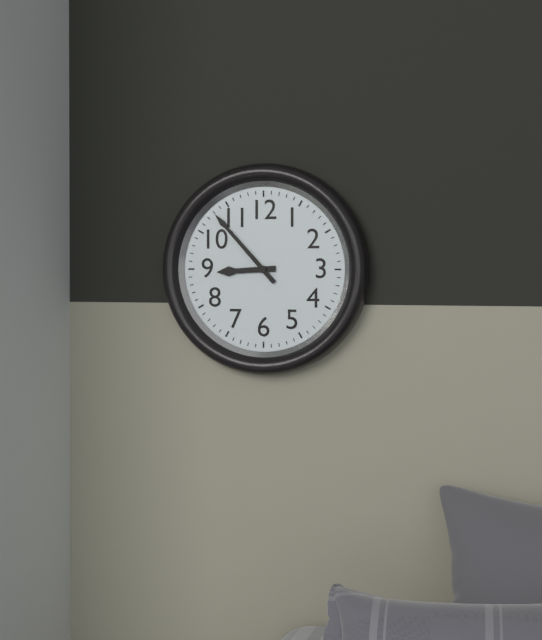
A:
**8:53**
